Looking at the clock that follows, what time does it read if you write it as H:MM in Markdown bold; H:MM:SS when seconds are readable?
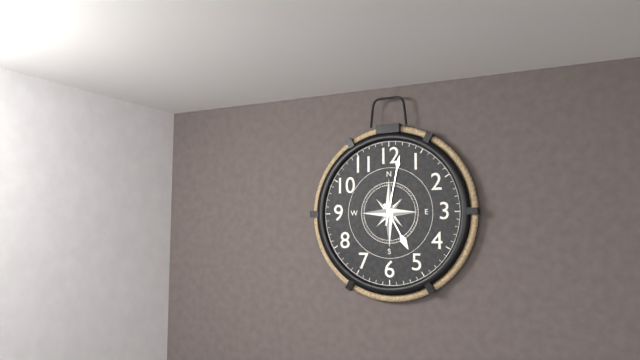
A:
**5:02**
